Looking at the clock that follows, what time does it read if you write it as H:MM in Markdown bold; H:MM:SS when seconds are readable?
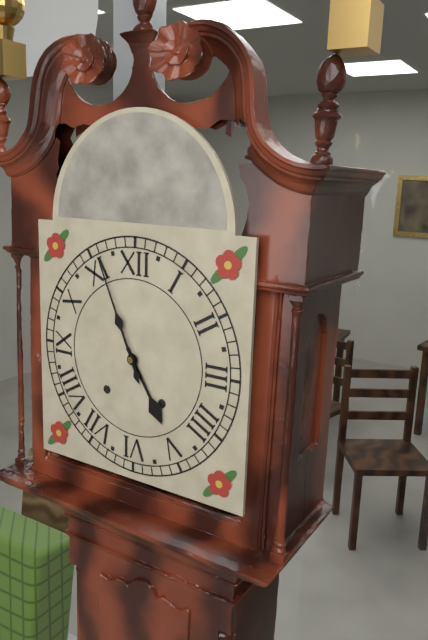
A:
**4:56**
